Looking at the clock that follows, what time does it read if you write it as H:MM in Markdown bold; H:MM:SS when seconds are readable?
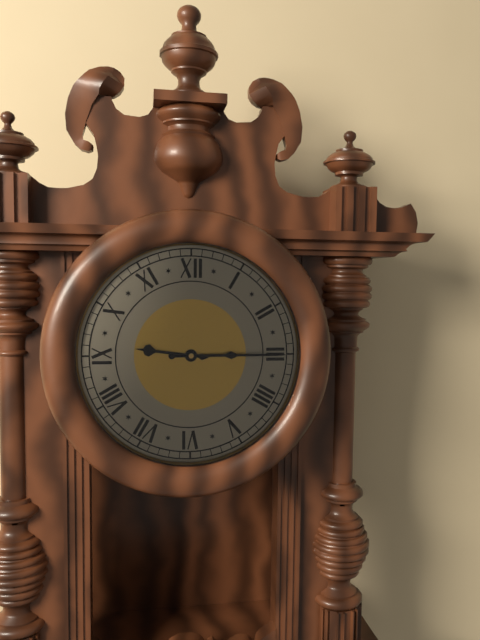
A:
**9:15**
